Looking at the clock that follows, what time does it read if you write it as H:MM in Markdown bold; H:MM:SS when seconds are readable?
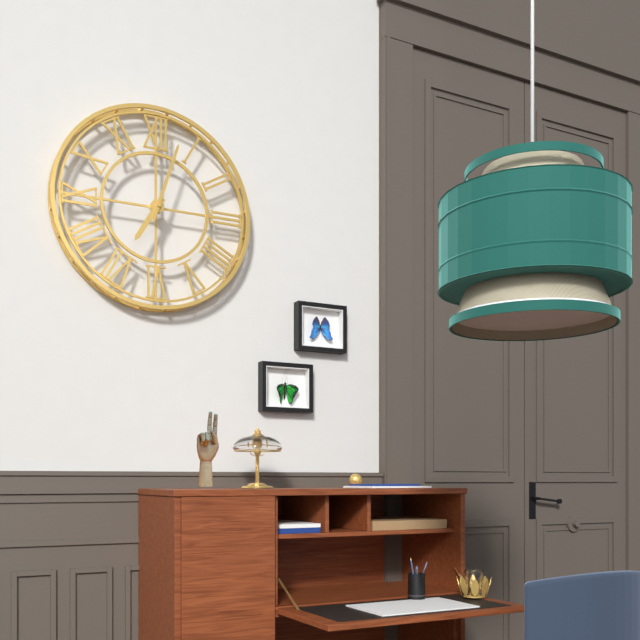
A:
**7:03**
